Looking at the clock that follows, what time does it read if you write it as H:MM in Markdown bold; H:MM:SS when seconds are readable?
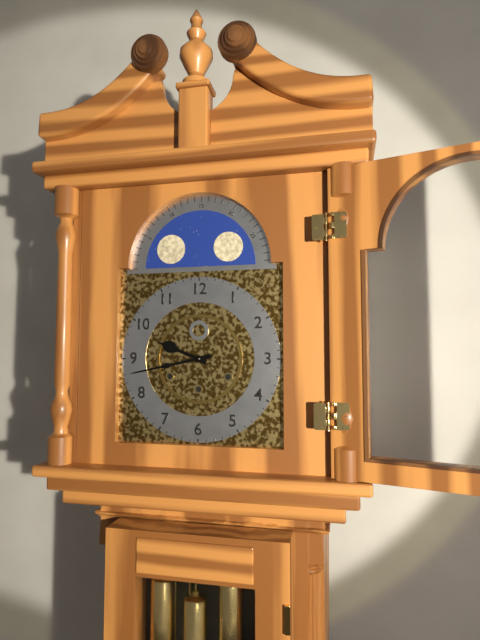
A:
**9:43**
